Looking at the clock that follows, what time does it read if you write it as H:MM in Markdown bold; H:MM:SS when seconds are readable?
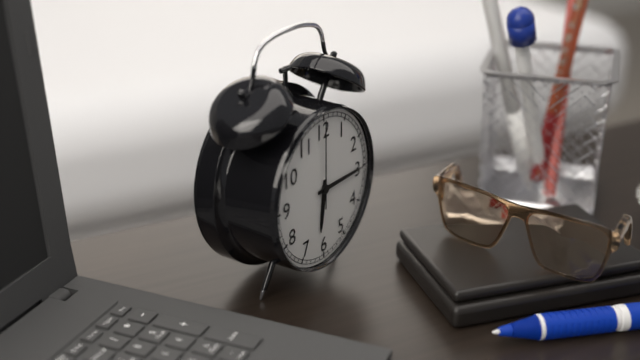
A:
**6:15:00**
